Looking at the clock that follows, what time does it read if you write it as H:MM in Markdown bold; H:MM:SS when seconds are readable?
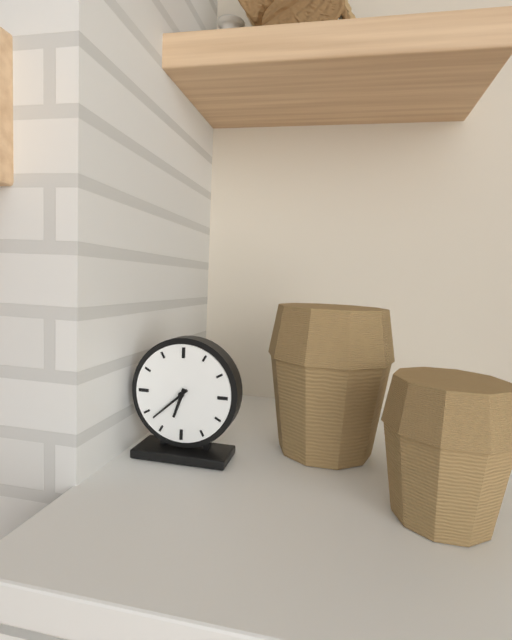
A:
**6:38**
